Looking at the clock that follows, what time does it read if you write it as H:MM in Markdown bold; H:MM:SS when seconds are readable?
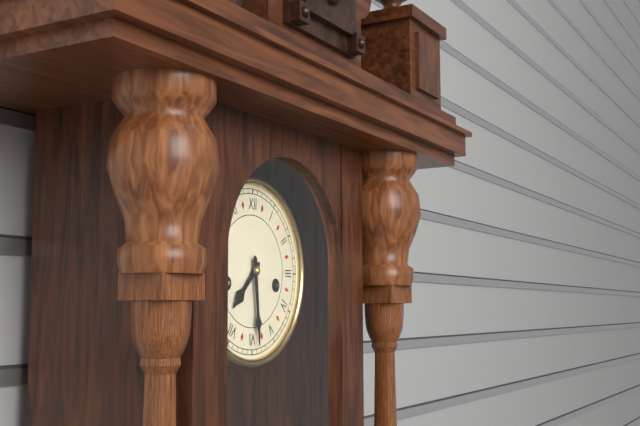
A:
**7:29**
